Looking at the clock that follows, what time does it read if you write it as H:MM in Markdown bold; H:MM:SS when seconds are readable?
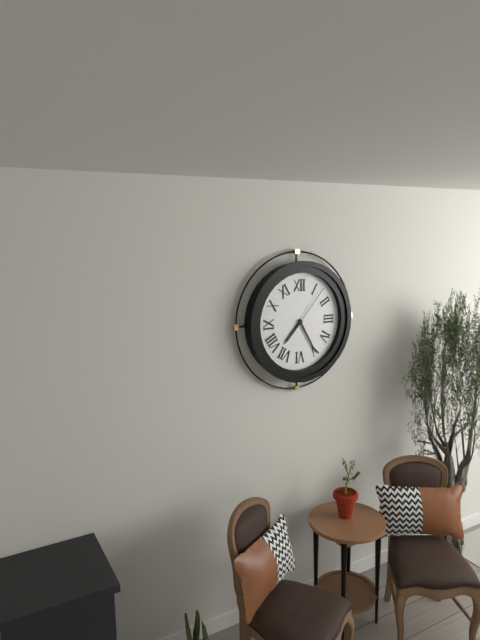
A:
**7:25:07**
